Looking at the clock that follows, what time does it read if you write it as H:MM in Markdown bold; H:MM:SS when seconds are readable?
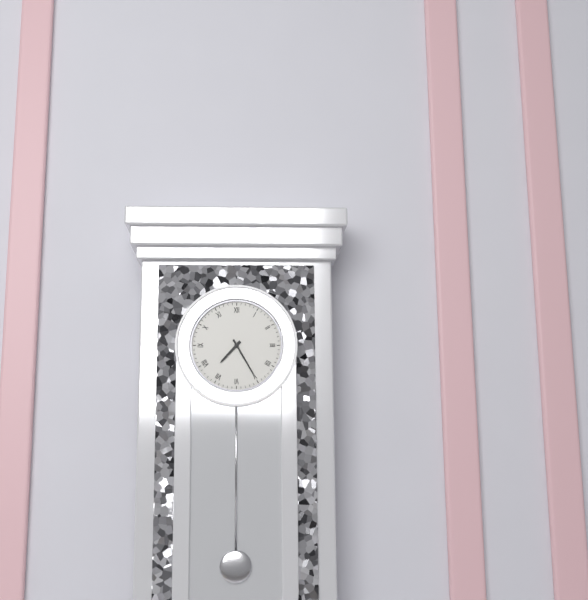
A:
**7:25**
